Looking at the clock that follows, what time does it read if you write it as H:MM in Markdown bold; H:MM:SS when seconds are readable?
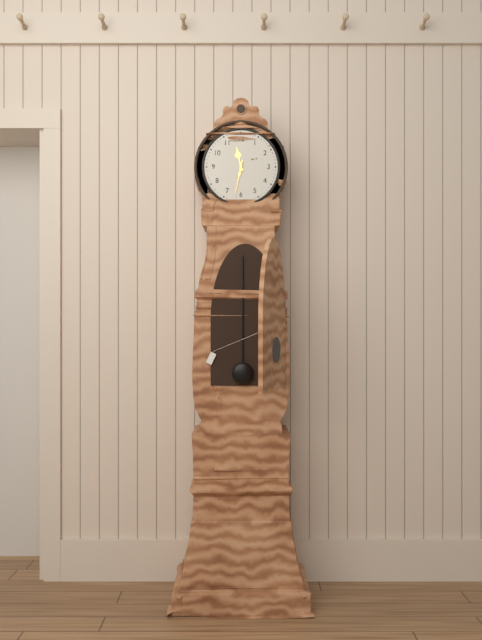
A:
**11:32**
